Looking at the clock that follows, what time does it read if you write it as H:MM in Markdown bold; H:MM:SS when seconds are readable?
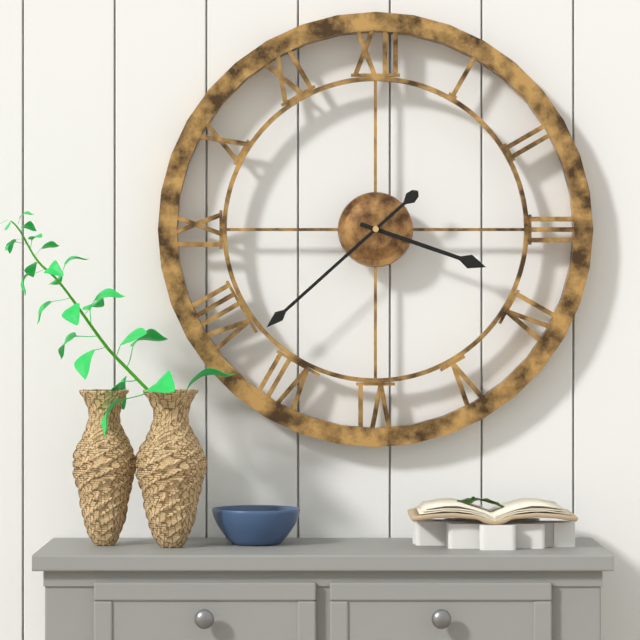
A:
**3:38**
